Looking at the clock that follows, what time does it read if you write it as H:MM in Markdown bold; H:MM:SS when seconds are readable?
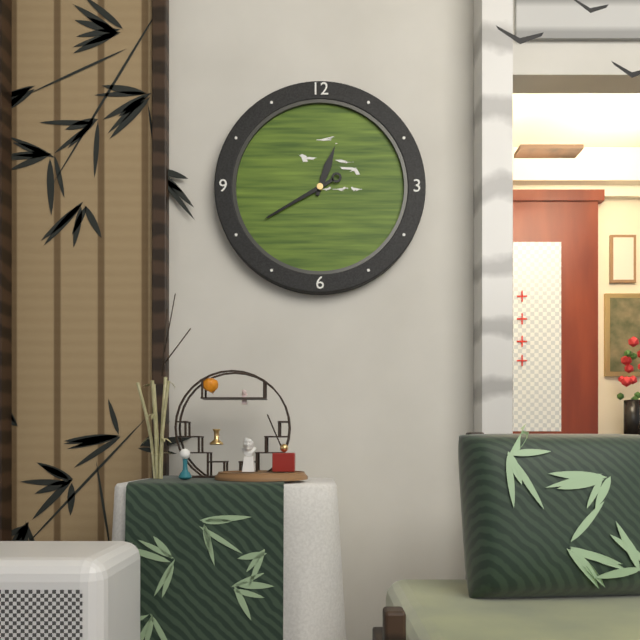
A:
**12:40**
